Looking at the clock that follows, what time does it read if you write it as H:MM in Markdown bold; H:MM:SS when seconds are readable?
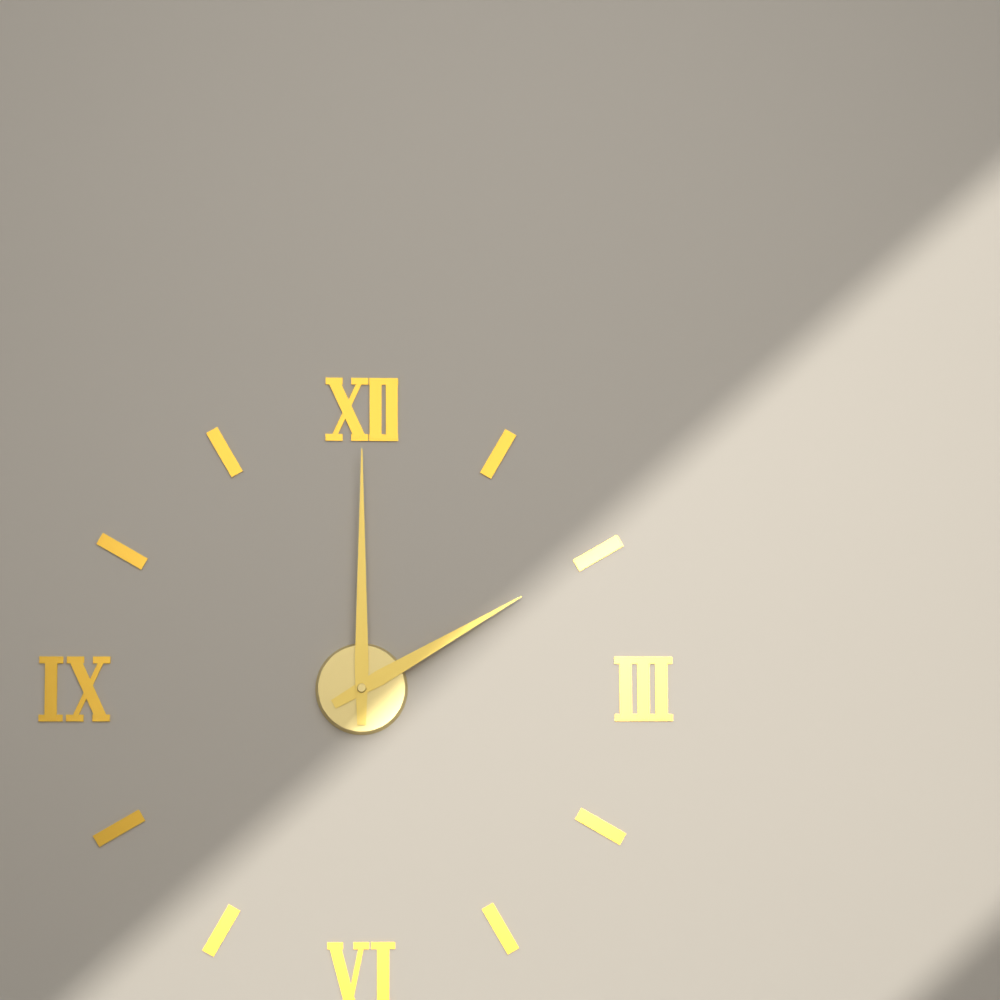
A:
**2:00**
